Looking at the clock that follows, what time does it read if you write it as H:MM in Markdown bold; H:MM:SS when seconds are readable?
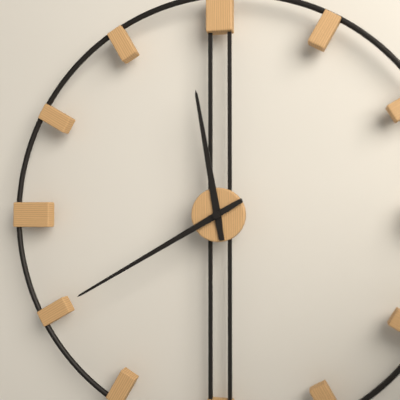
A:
**11:40**
